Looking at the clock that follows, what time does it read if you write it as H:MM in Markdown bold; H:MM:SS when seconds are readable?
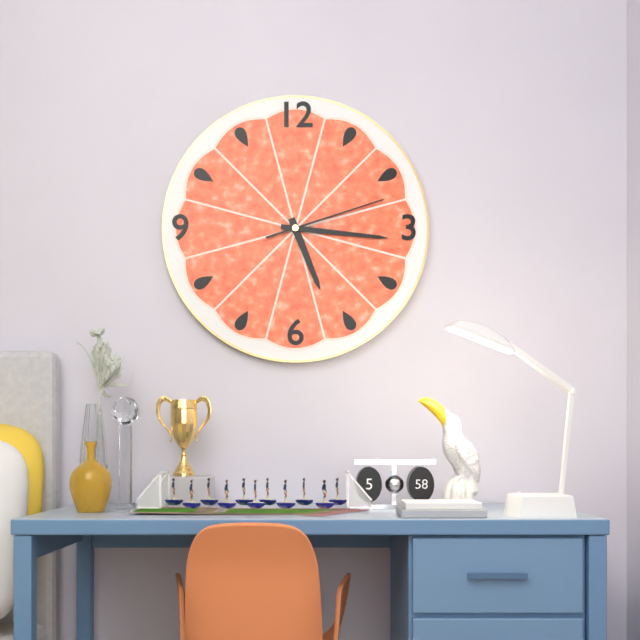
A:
**5:16:12**
